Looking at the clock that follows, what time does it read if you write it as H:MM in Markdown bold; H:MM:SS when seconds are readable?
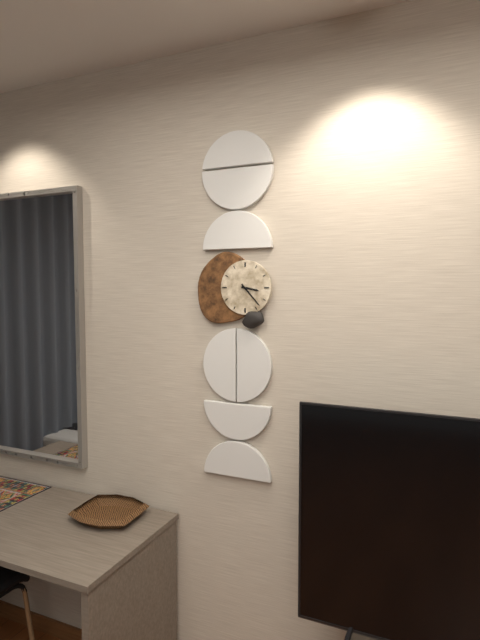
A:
**3:23**
